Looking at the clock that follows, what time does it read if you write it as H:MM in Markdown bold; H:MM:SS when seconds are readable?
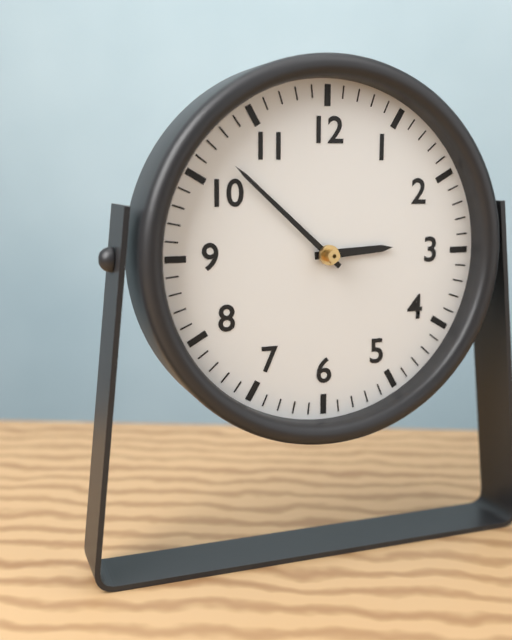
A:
**2:52**
